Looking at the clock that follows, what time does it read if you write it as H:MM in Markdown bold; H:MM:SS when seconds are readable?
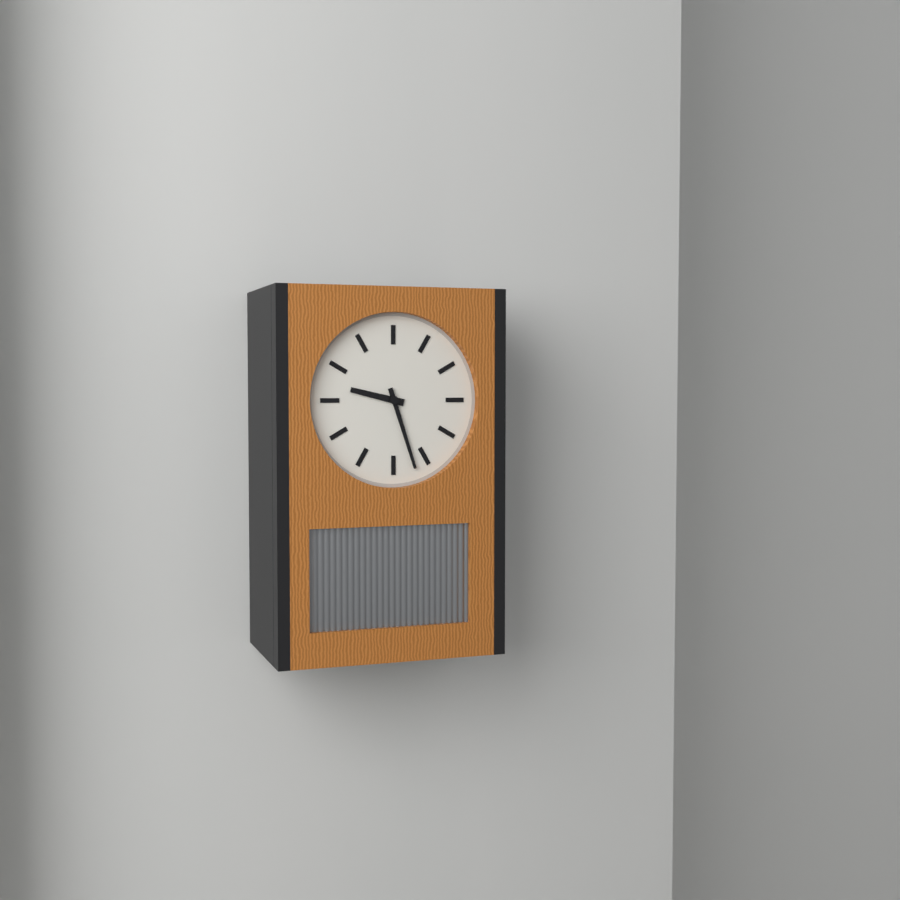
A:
**9:27**
